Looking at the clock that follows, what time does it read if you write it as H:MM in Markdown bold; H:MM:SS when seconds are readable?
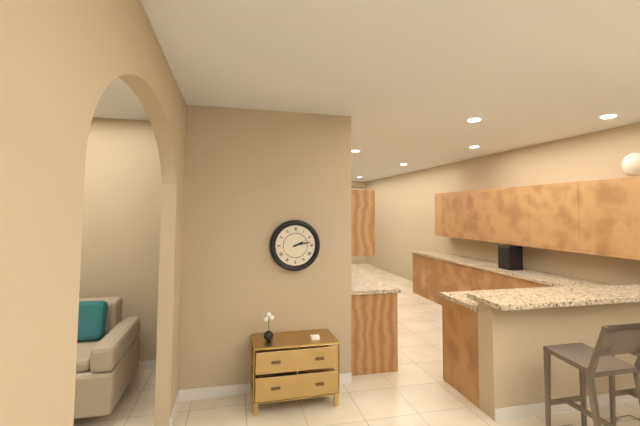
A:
**2:13**
